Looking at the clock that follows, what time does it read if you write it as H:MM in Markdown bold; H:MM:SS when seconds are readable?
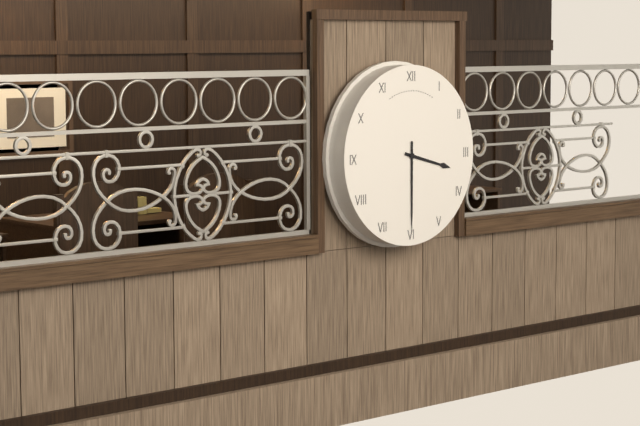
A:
**3:30**
